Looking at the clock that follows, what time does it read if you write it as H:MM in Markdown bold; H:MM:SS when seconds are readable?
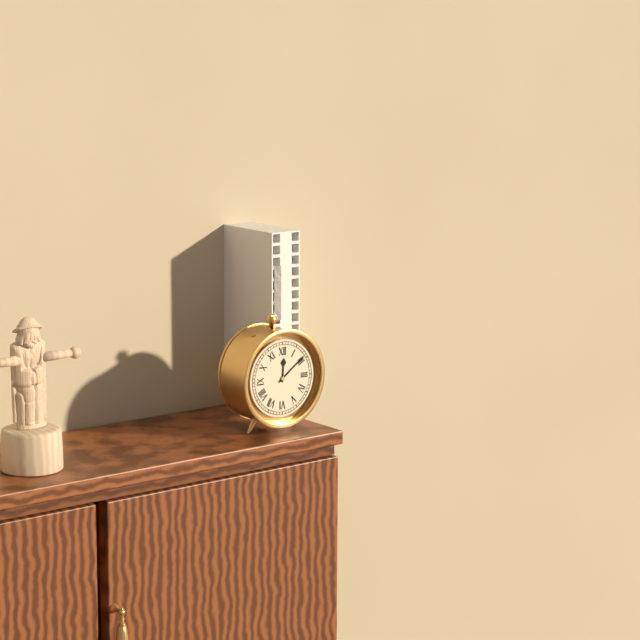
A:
**12:09**
